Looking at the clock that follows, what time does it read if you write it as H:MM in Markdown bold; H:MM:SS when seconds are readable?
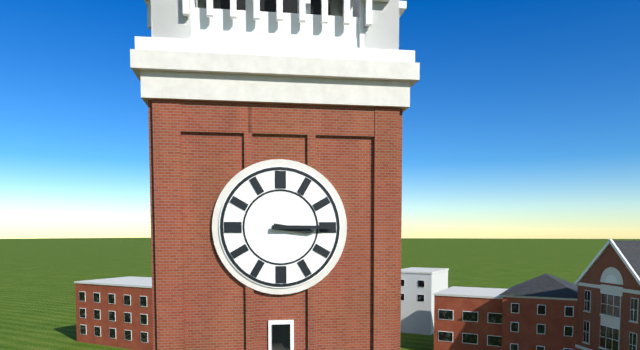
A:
**3:15**
